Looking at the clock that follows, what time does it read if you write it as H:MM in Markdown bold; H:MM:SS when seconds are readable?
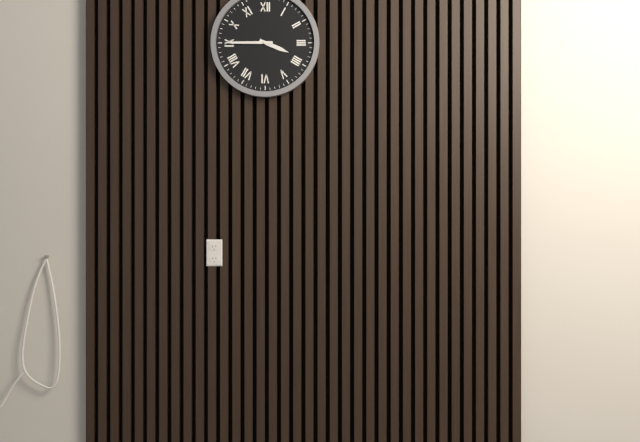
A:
**3:45**
